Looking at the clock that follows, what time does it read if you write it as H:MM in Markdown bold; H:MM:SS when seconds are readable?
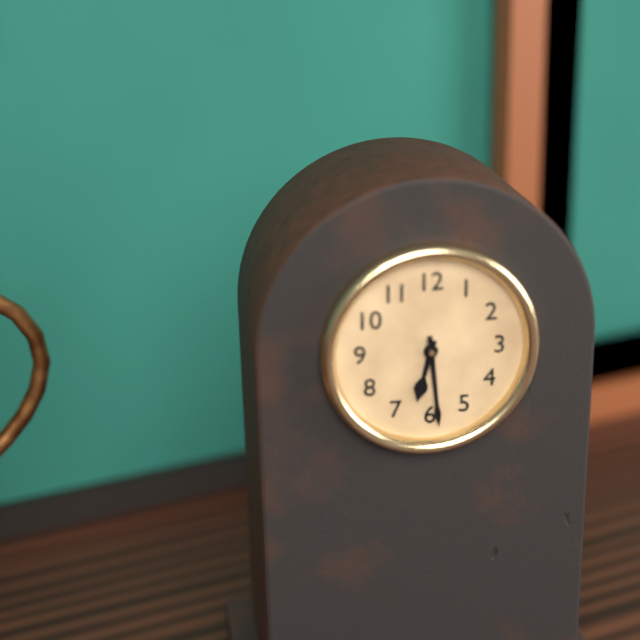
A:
**6:29**
